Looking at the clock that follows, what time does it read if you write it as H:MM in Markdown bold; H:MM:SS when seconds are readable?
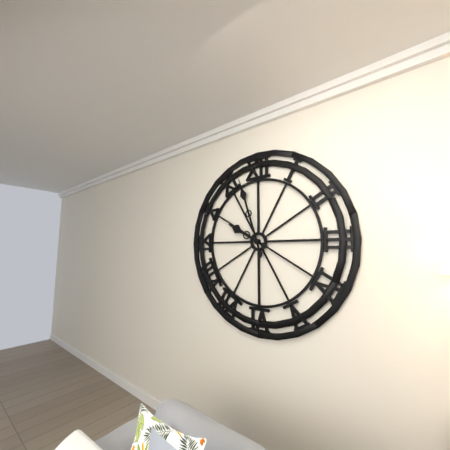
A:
**9:57**
